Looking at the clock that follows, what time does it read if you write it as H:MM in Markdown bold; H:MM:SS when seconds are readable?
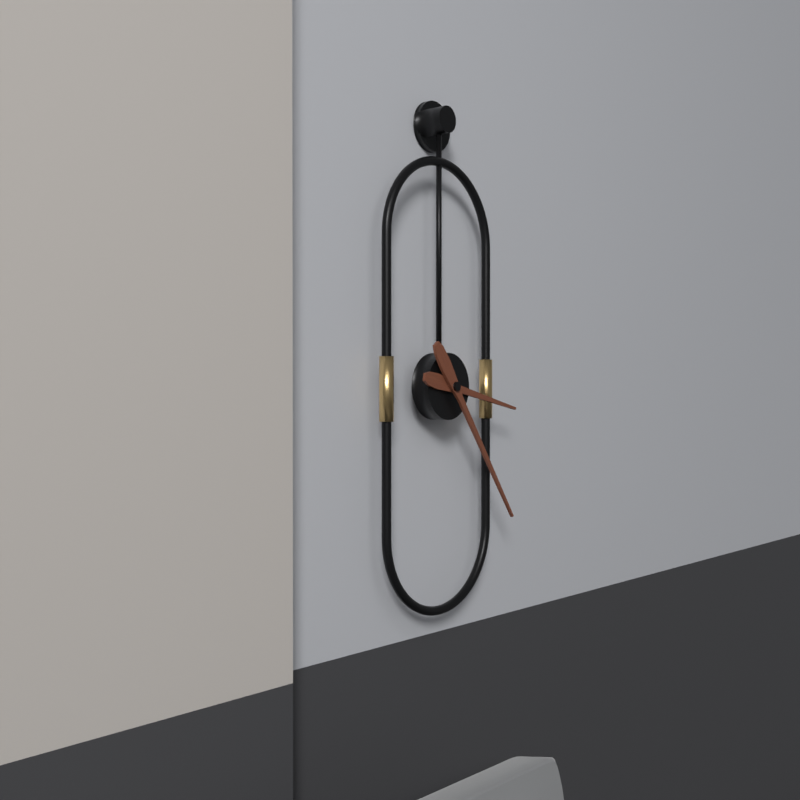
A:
**3:24**
